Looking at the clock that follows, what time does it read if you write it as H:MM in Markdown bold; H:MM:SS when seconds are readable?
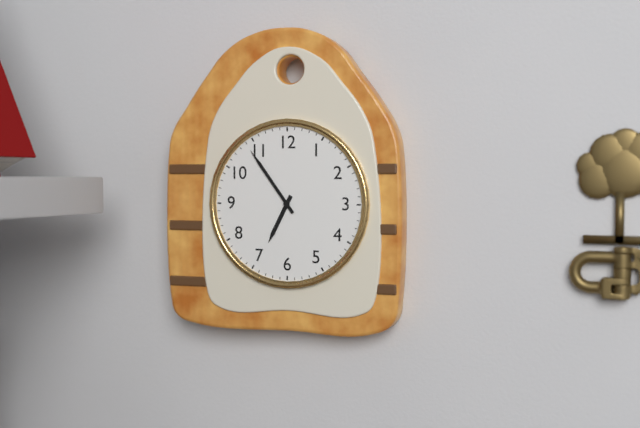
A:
**6:54**
